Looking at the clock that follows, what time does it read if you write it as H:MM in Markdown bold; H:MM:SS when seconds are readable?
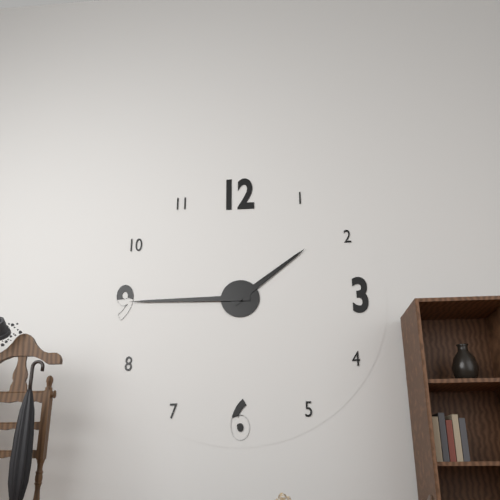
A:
**1:45**
